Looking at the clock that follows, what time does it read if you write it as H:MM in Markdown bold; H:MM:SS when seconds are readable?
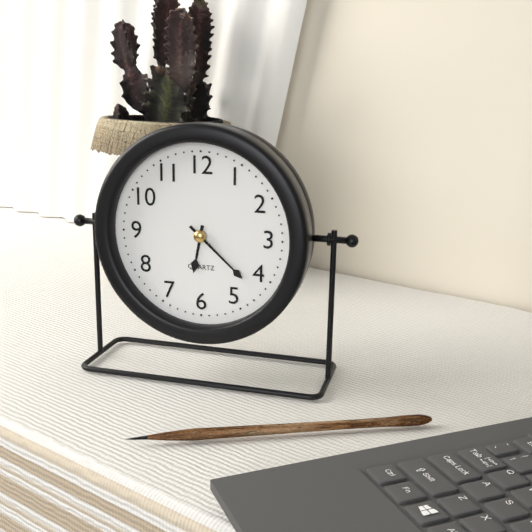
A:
**6:22**
